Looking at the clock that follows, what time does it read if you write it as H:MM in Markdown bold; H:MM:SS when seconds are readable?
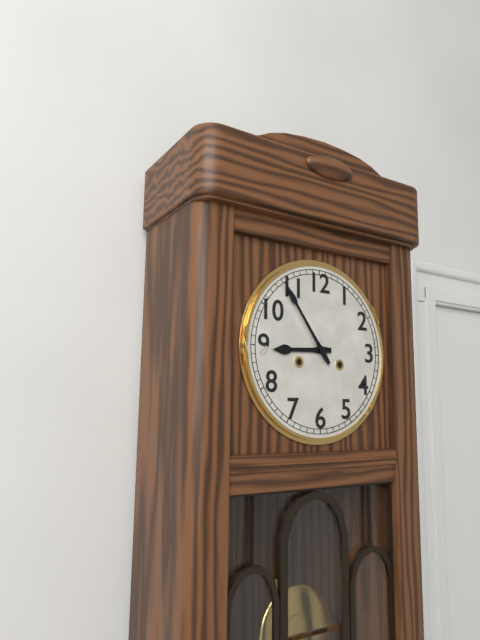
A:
**8:54**
